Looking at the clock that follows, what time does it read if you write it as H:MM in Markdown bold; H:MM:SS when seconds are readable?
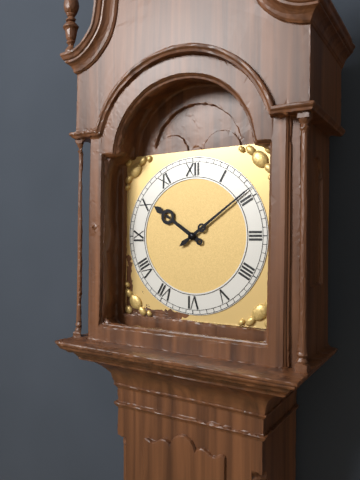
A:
**10:09**
